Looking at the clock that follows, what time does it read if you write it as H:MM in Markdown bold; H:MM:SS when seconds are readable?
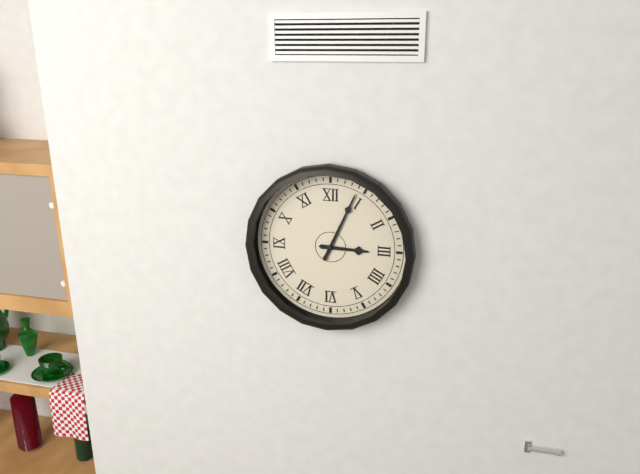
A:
**3:04**
